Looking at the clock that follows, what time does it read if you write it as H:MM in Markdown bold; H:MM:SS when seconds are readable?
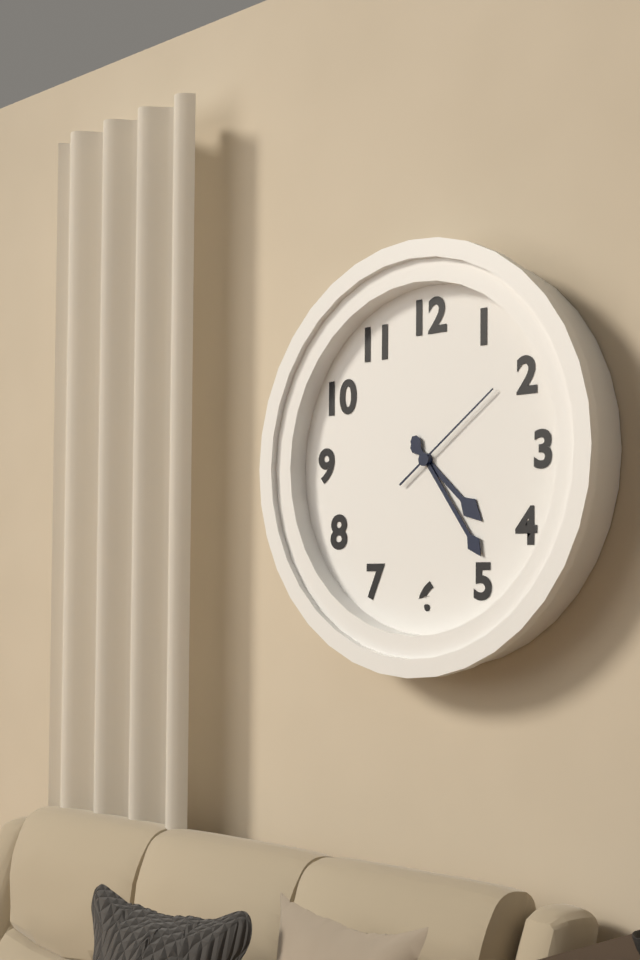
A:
**4:24:09**
